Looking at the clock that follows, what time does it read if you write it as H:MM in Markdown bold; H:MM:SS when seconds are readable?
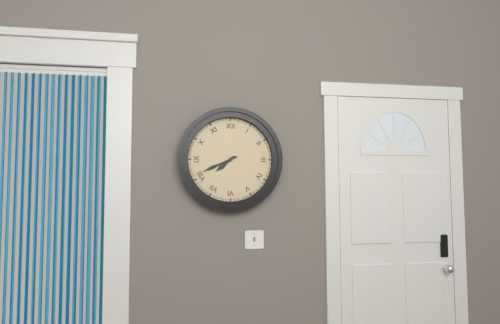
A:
**7:41**
